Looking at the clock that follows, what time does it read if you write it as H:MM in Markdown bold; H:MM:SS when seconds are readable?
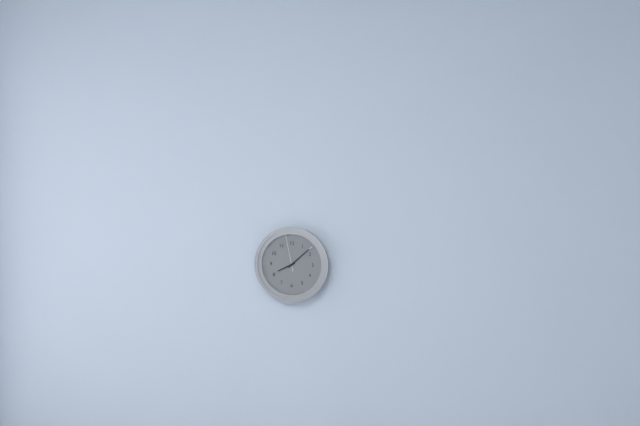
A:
**8:08**
